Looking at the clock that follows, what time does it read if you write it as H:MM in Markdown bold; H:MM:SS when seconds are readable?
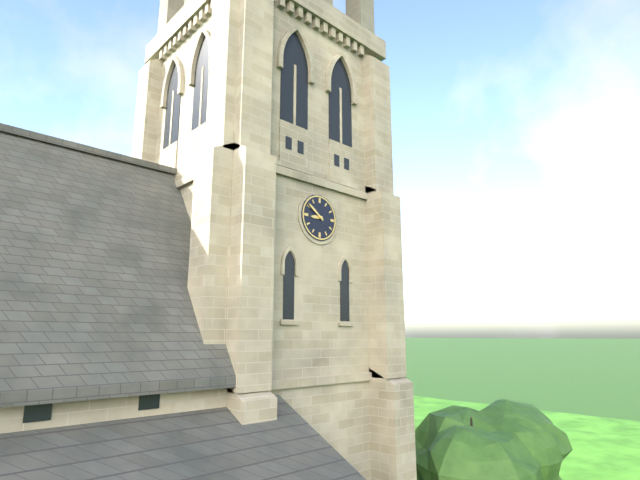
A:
**8:51**
